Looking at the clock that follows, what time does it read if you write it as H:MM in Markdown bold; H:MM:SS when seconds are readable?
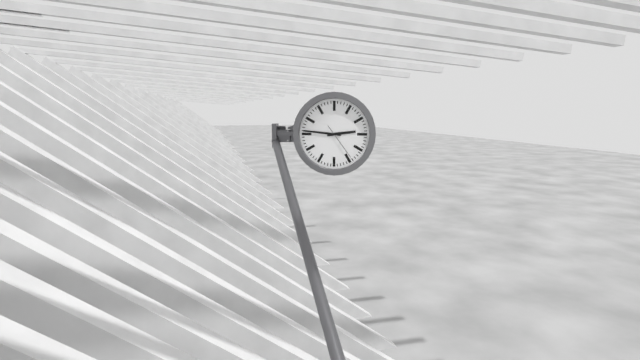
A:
**2:46**
